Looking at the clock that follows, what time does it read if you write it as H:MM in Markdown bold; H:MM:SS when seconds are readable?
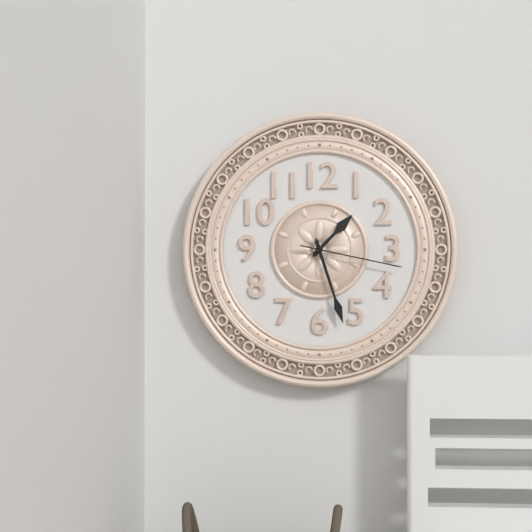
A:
**1:27:17**
